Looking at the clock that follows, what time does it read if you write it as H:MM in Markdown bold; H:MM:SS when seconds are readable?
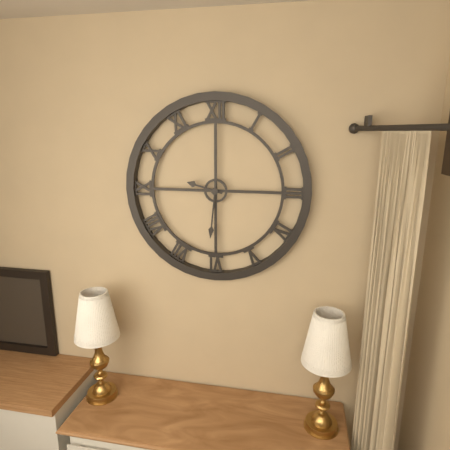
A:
**9:31**
